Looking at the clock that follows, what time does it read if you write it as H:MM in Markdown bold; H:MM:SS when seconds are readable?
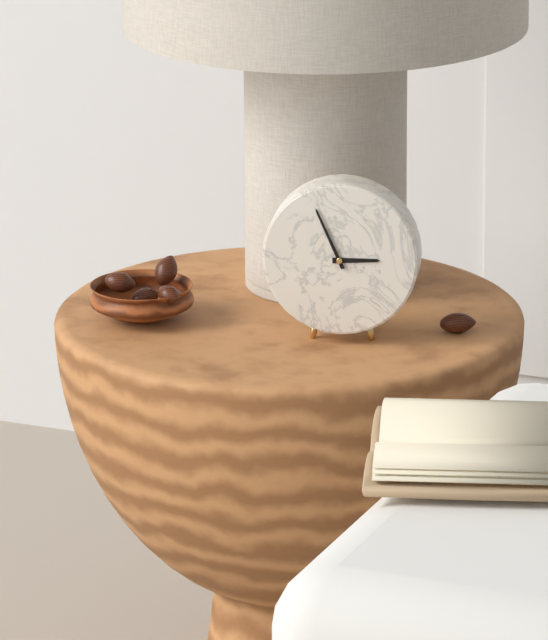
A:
**2:56**
